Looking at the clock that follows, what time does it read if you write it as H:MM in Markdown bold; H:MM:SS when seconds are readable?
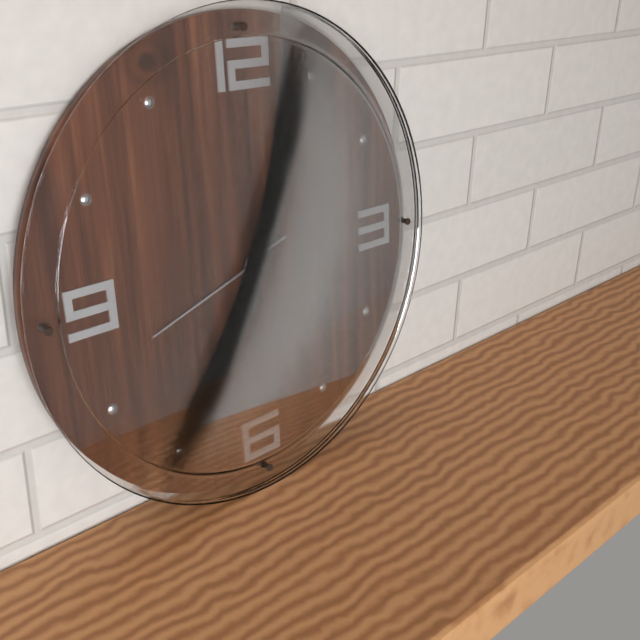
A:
**1:04:42**
